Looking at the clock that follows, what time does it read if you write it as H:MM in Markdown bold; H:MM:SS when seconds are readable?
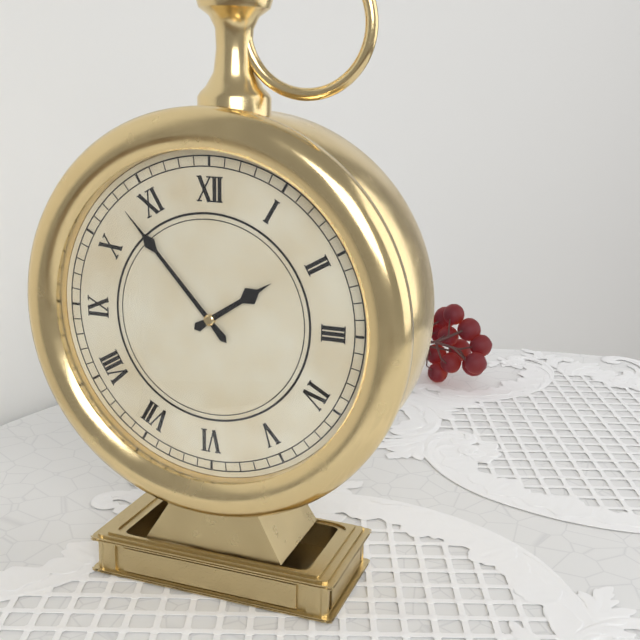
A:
**1:53**
